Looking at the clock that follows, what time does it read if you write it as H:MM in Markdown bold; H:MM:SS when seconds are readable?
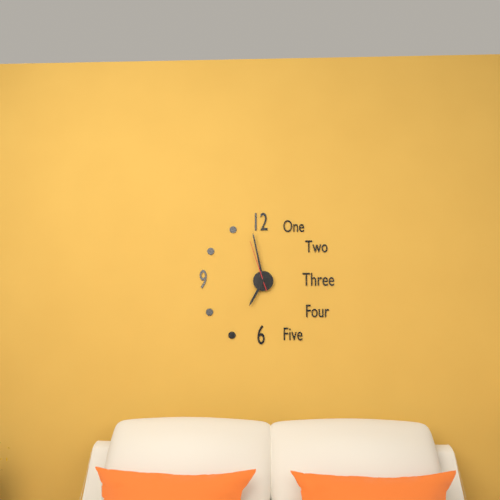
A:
**6:58:57**
